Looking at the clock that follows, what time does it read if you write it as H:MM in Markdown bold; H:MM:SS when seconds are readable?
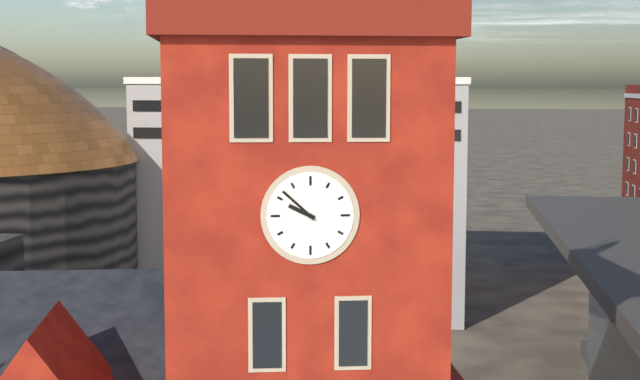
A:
**9:52**
